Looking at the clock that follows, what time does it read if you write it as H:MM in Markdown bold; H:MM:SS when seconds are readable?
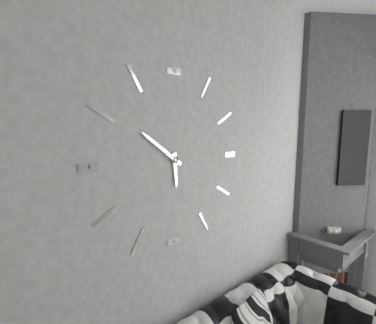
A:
**5:51**
